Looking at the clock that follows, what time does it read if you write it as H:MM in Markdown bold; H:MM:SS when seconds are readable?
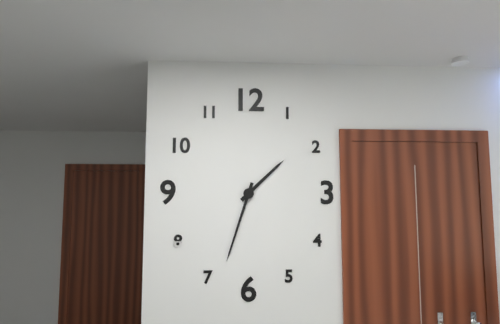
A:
**1:33**
